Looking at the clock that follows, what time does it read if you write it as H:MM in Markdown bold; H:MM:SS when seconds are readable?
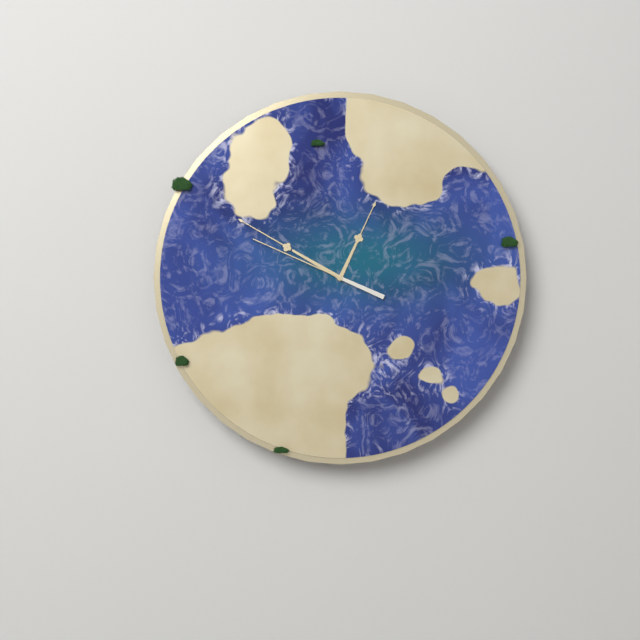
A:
**12:50:49**
